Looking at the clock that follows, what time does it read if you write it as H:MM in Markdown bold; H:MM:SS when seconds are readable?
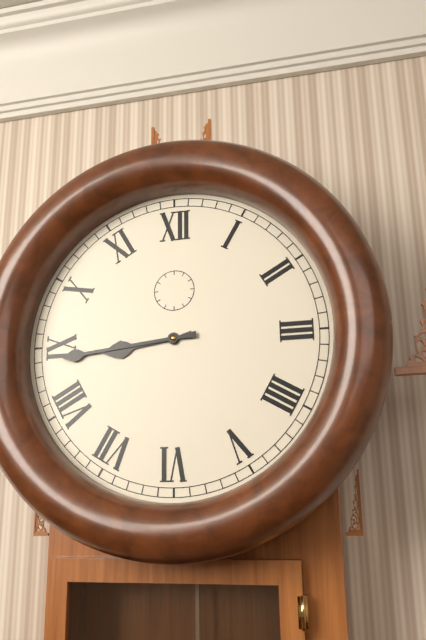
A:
**8:44**
